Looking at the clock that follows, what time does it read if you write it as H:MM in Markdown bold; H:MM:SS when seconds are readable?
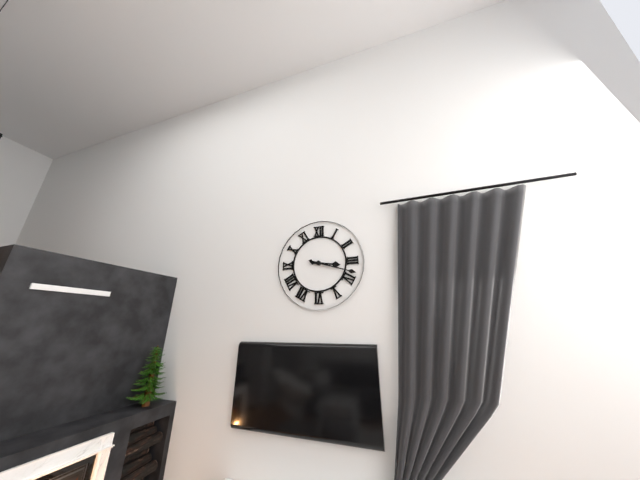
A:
**3:18**
